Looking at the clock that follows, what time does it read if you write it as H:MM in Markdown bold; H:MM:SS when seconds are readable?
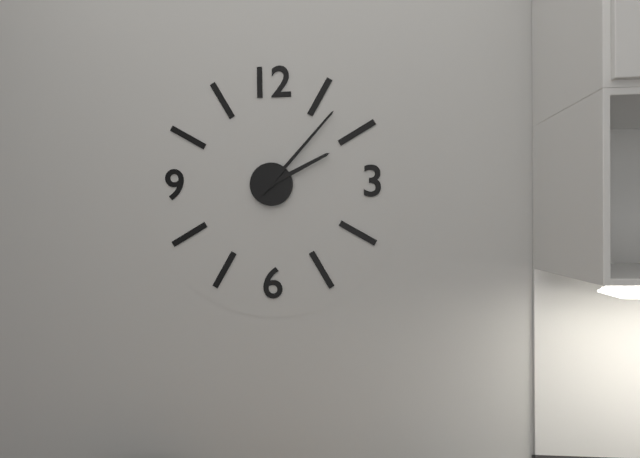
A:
**2:07**
